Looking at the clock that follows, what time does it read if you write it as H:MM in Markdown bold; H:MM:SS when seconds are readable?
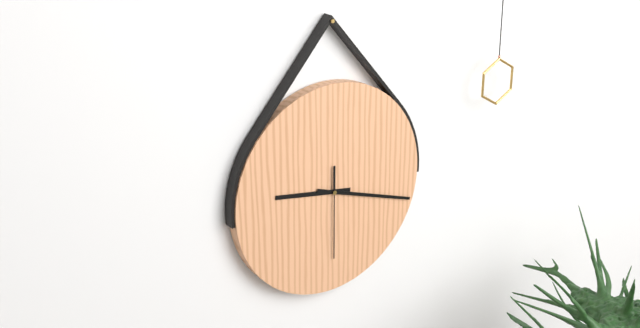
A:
**9:18:30**
